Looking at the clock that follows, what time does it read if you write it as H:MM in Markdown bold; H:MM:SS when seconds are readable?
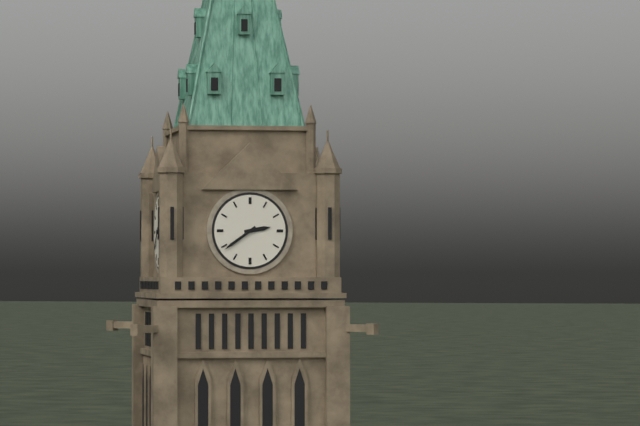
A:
**2:39**
